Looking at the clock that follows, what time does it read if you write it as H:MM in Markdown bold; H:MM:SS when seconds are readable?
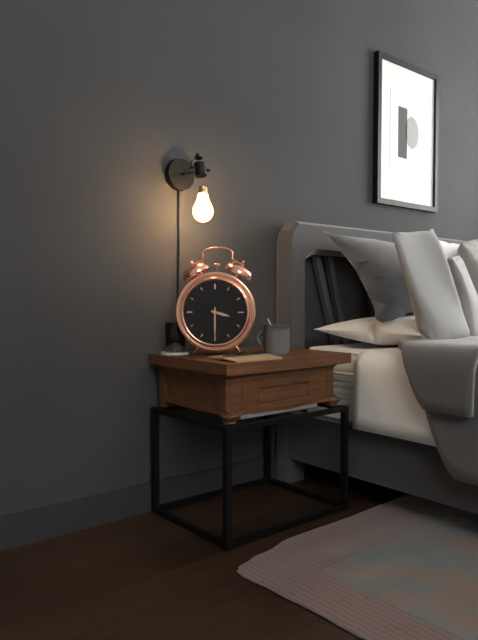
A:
**3:30**
